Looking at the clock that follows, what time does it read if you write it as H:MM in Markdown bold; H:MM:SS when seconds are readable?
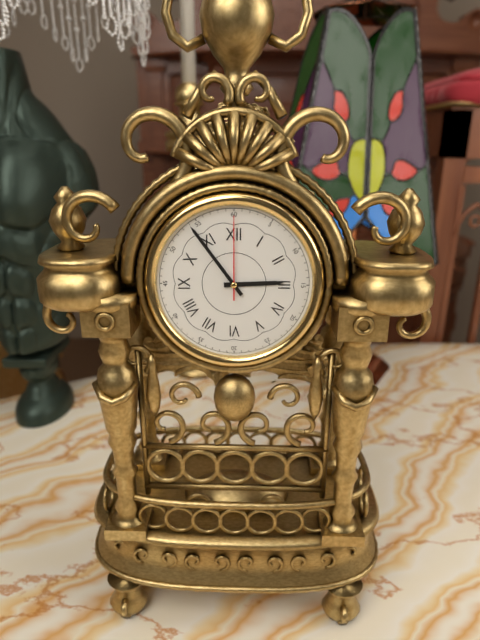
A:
**2:54:00**
